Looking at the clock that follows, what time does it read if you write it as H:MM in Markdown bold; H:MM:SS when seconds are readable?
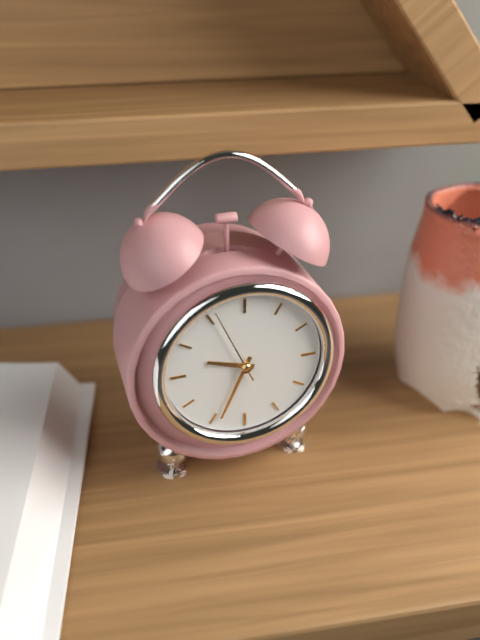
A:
**9:34:56**
